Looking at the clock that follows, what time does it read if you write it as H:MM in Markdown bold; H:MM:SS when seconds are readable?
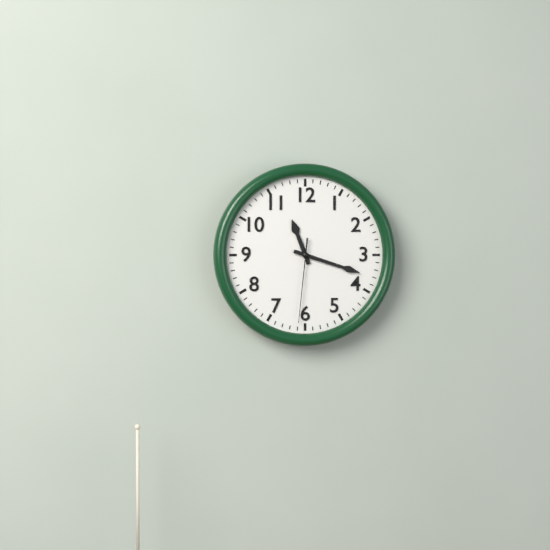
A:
**11:18:31**
